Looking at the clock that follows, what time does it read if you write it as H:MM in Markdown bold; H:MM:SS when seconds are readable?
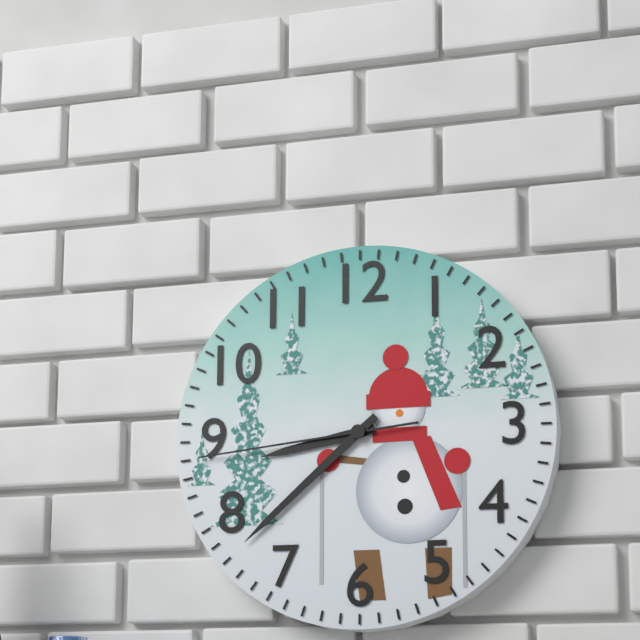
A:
**8:38:44**
